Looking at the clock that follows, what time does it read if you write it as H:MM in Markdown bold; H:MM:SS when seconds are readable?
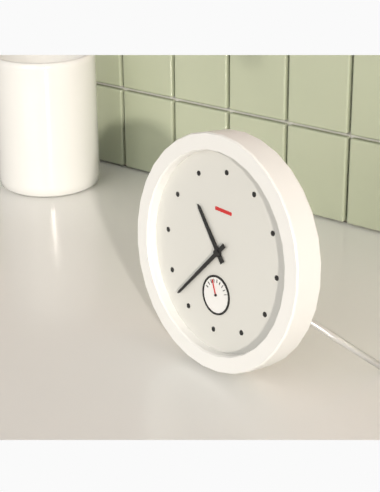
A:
**10:37**
